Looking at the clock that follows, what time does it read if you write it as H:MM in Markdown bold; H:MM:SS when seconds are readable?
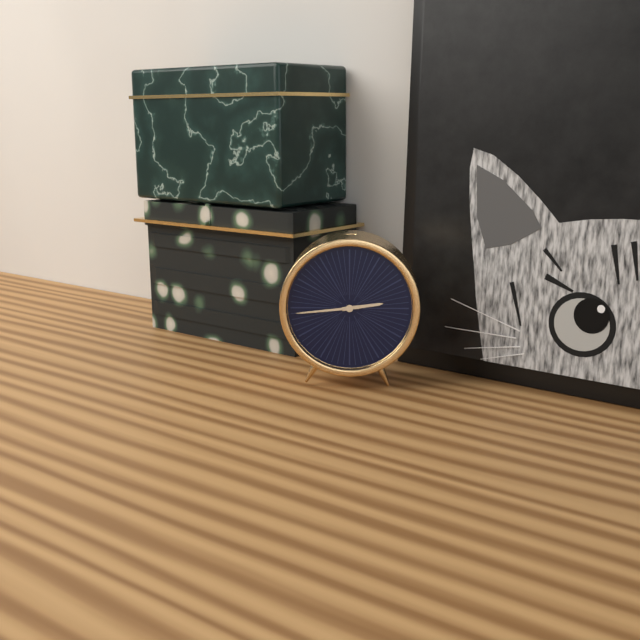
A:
**2:44**
